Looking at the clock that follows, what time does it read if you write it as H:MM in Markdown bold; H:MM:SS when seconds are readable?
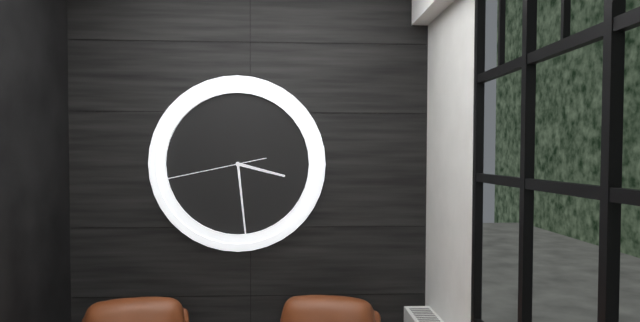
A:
**3:29:43**
